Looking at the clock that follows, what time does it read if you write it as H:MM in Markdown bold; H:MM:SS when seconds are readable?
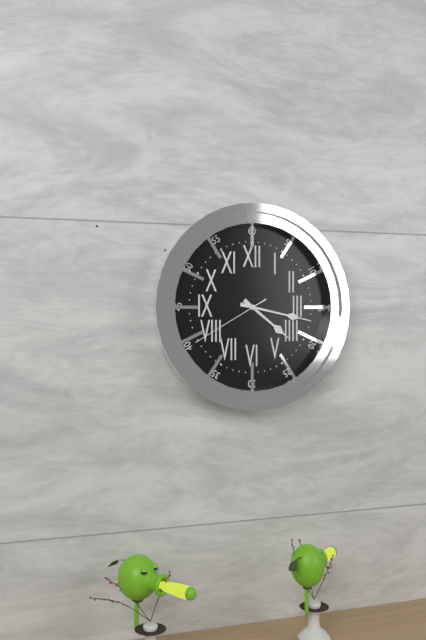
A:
**4:17:40**
